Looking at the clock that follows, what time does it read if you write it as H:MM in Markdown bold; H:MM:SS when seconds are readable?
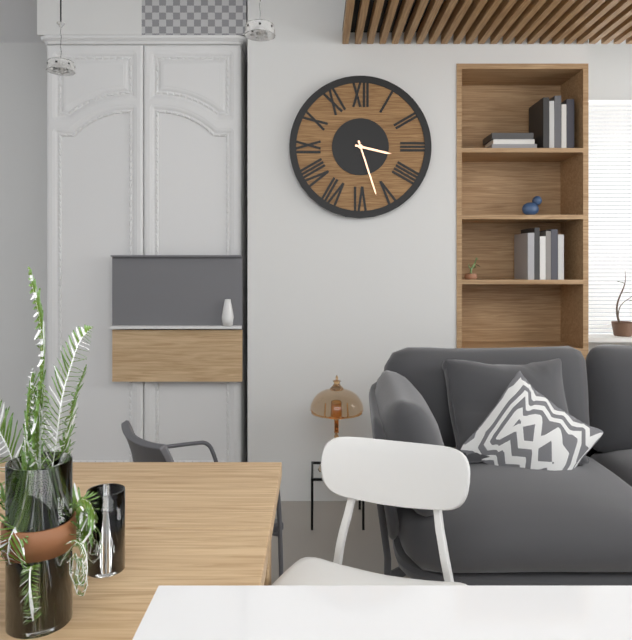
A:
**3:27**
